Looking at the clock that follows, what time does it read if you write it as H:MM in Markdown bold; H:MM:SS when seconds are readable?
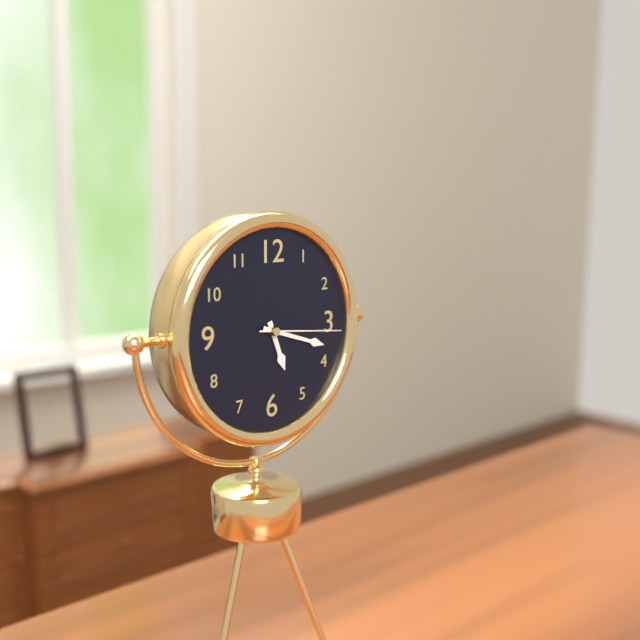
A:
**5:18:16**
